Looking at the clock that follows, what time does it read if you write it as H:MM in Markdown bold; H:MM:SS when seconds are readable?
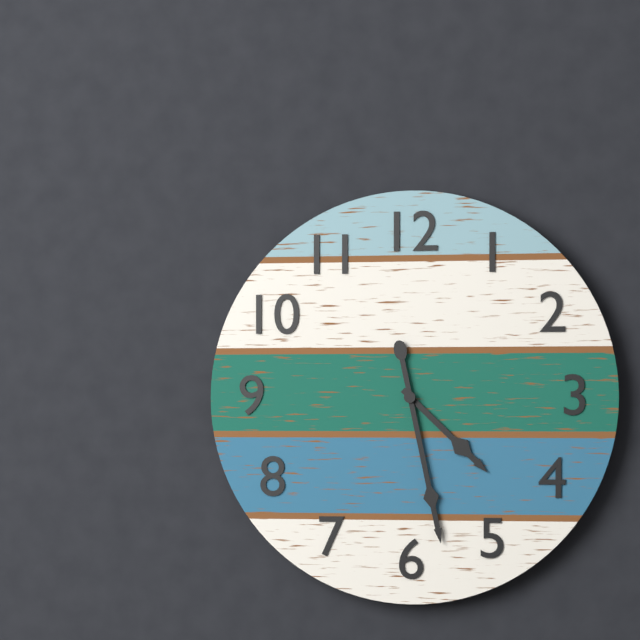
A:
**4:28**
